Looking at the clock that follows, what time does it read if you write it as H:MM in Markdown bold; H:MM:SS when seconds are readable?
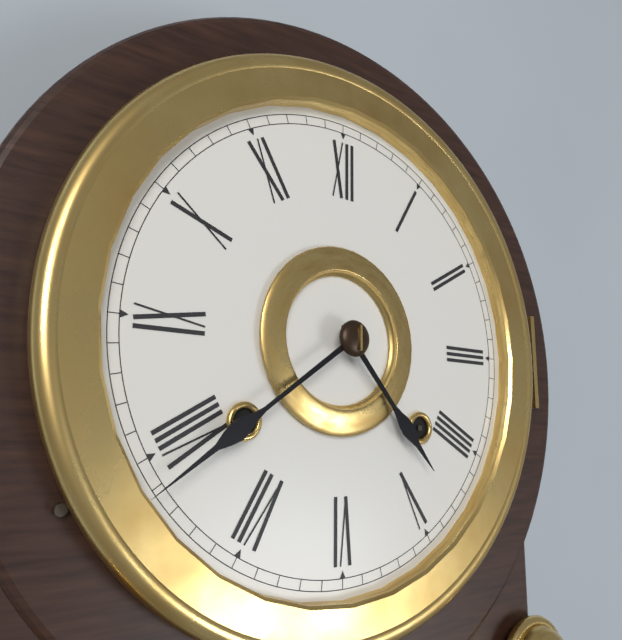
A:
**4:39**
